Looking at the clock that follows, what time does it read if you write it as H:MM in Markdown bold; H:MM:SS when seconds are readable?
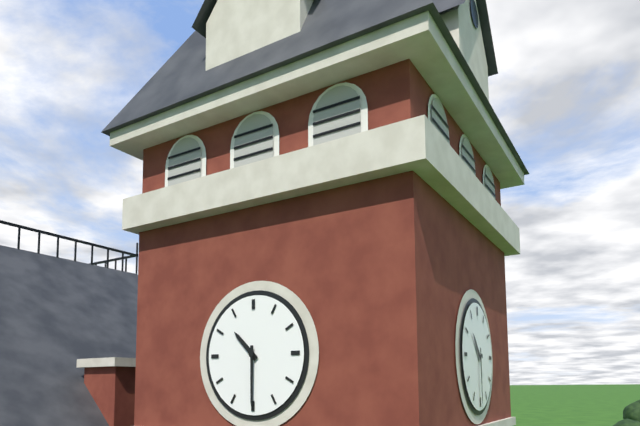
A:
**10:30**
